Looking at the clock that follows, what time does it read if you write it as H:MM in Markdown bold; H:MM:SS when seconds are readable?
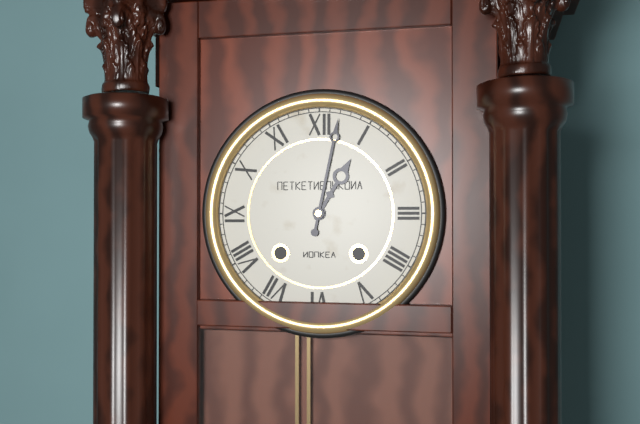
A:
**1:02**
